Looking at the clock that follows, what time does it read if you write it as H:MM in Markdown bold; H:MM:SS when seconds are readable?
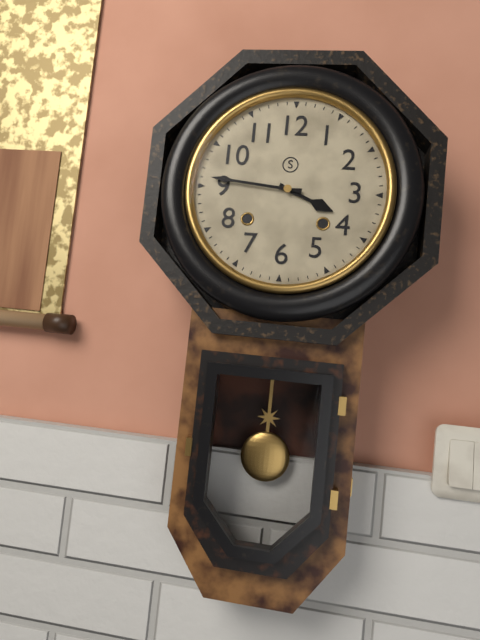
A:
**3:46**
